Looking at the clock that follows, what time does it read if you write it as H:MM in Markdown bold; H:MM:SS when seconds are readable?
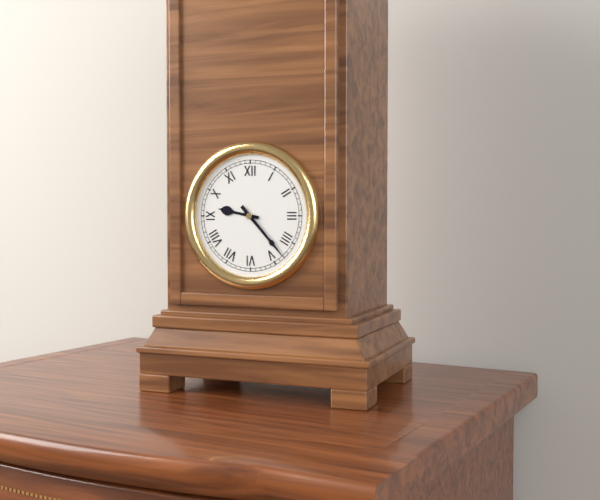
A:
**9:23**
